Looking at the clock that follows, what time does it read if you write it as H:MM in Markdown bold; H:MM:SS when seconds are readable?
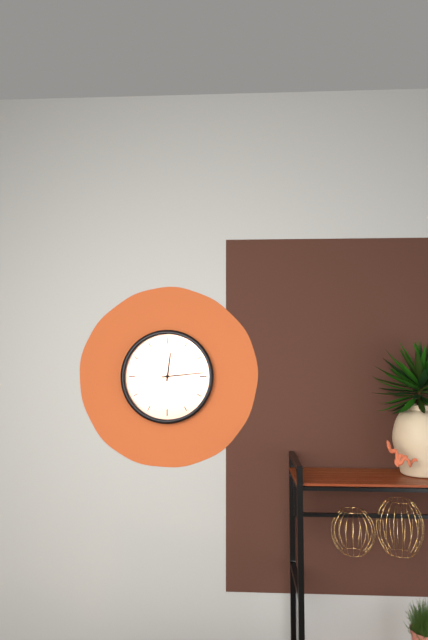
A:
**12:14**
